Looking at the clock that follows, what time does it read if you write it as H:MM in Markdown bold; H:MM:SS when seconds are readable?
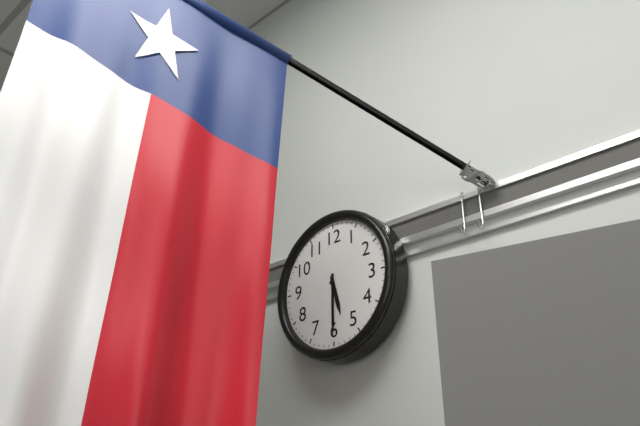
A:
**5:30**
